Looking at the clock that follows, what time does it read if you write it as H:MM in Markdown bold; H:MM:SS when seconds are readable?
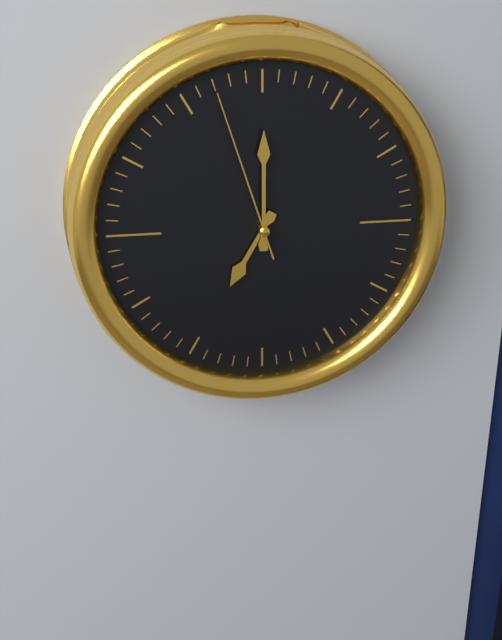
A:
**7:00:57**
